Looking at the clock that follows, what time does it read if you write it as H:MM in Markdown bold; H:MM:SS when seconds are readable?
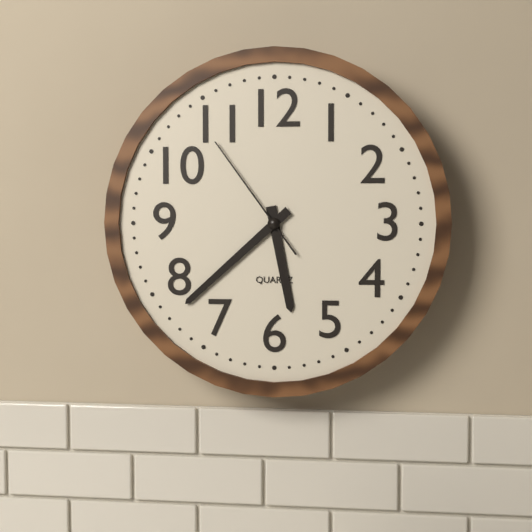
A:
**5:38:54**
